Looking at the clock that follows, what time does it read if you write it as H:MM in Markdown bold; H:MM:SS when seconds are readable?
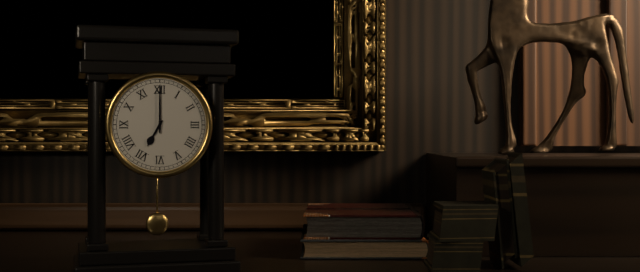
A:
**7:00**
